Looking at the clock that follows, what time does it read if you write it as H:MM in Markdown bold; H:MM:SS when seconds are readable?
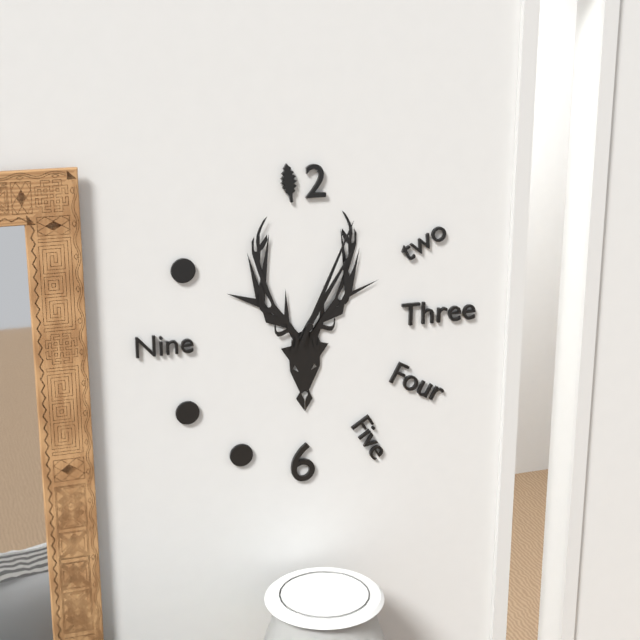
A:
**1:04**
